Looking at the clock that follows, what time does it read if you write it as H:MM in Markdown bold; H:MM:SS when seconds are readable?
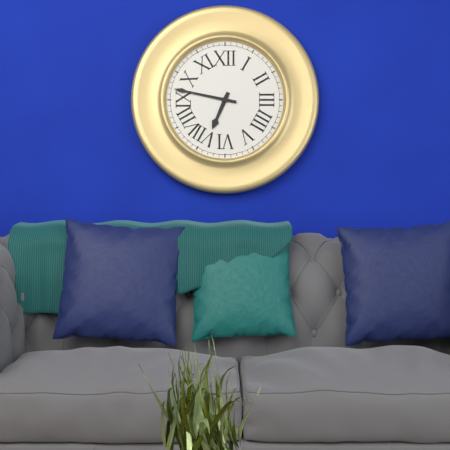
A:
**6:47**
